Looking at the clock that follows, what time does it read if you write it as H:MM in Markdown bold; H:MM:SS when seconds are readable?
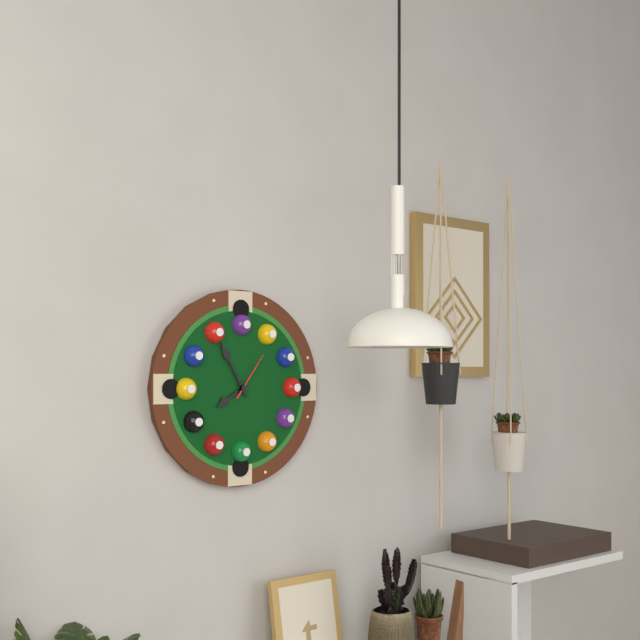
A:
**7:55**
